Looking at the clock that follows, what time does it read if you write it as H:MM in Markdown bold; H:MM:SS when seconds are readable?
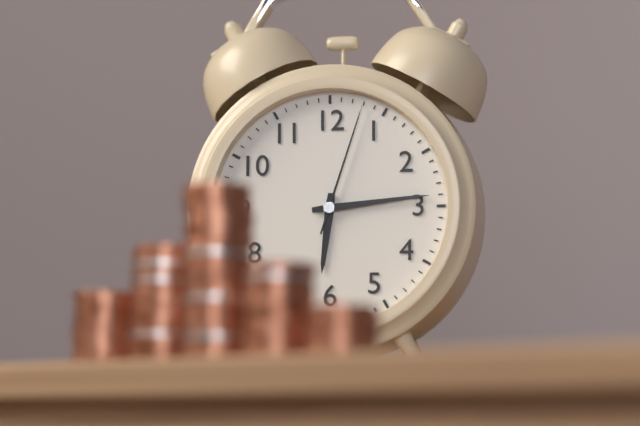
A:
**6:14:03**
